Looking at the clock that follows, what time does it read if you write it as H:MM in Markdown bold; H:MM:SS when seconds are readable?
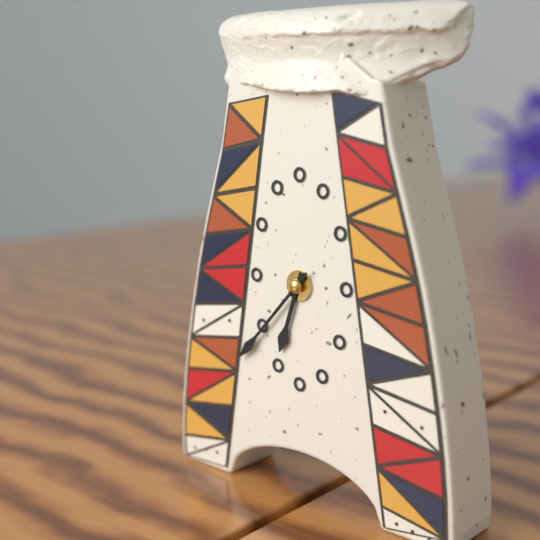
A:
**6:37**
